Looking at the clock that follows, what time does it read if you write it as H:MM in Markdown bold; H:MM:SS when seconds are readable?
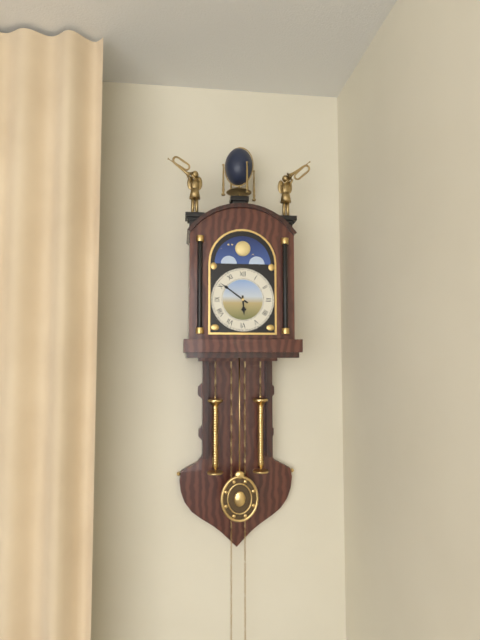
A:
**5:51**
